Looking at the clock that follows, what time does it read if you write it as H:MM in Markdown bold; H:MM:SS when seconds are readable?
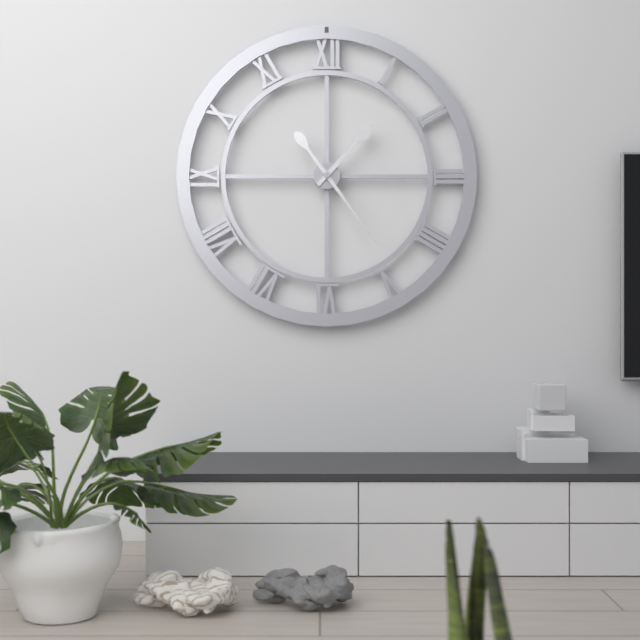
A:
**1:24**
